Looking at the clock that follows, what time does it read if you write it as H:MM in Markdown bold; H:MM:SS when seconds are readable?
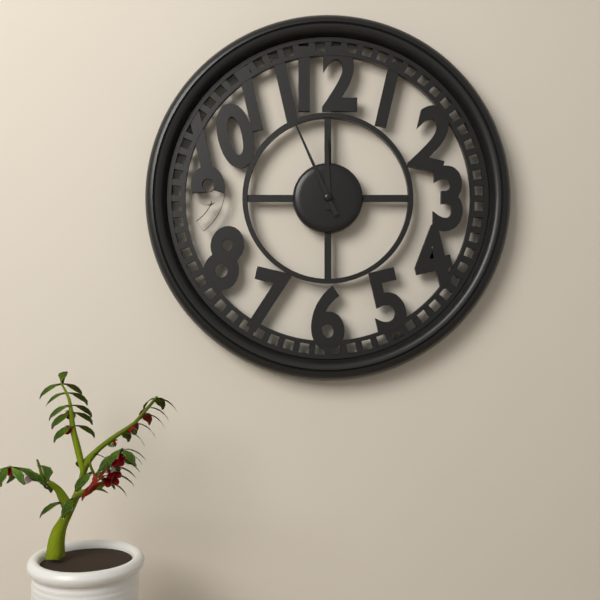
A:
**11:56**
